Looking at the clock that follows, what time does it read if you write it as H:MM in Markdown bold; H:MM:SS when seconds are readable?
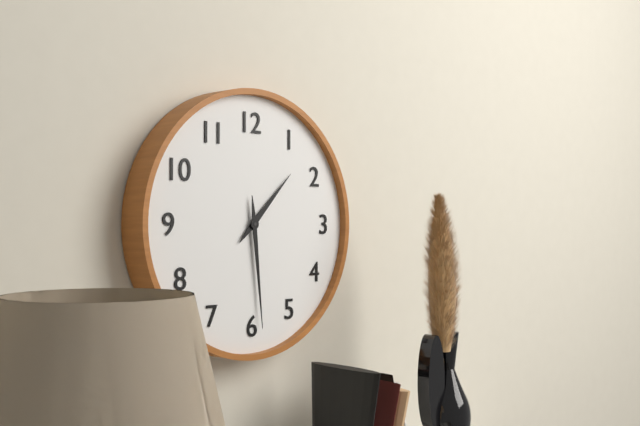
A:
**1:29**
